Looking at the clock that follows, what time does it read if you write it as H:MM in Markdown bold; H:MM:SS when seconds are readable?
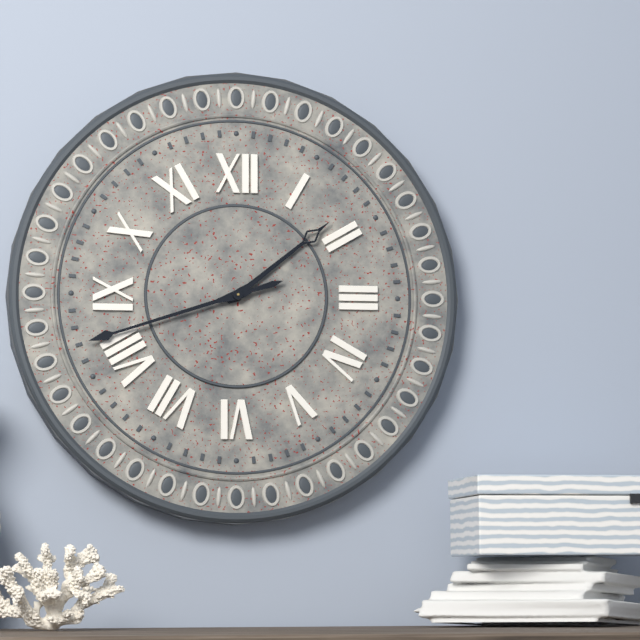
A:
**1:42**
